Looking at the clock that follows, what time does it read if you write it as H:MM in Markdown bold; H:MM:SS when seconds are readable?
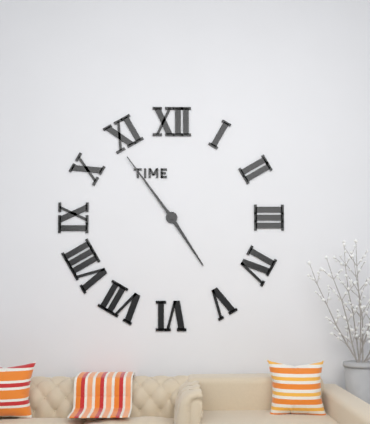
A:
**4:54**
